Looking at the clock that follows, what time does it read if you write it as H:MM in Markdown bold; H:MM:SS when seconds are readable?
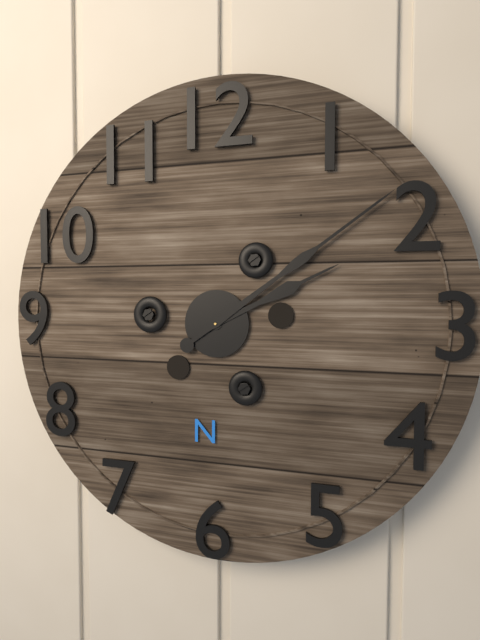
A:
**2:09**
